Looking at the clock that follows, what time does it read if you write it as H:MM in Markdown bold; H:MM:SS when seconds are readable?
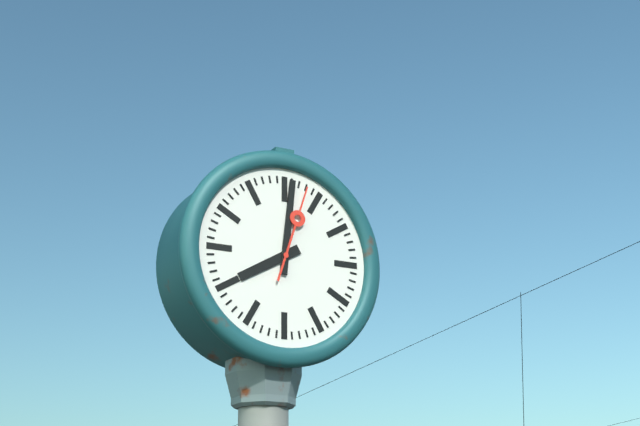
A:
**8:01:03**
